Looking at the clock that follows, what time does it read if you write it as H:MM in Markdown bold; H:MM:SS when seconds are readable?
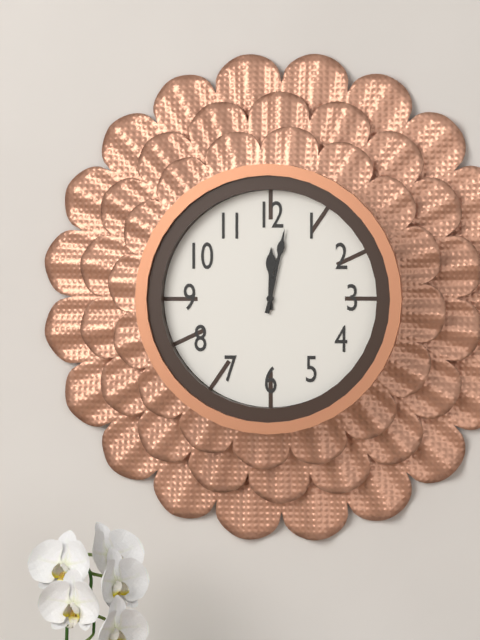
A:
**12:02**
